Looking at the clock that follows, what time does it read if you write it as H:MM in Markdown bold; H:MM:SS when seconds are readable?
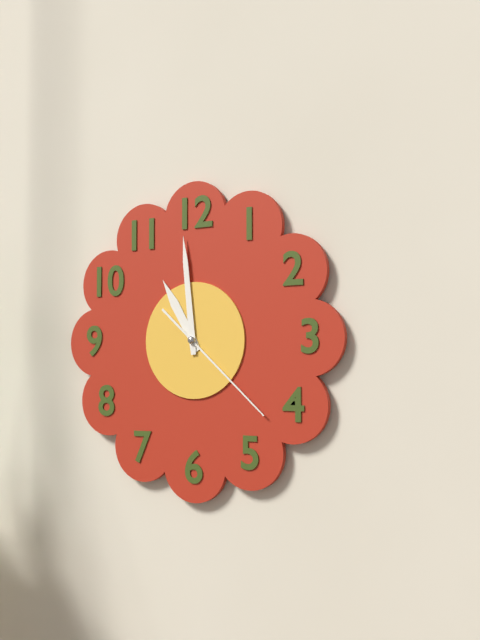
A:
**10:59:22**
